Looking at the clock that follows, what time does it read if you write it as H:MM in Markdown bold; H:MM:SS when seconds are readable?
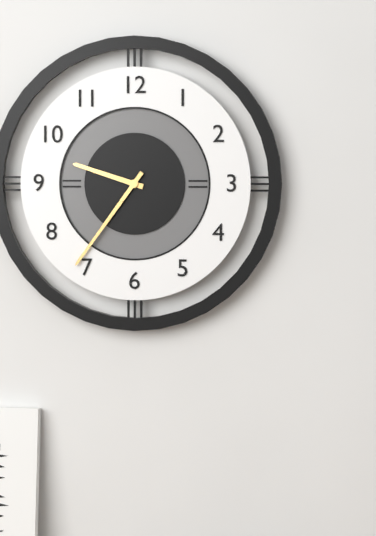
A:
**9:36**
